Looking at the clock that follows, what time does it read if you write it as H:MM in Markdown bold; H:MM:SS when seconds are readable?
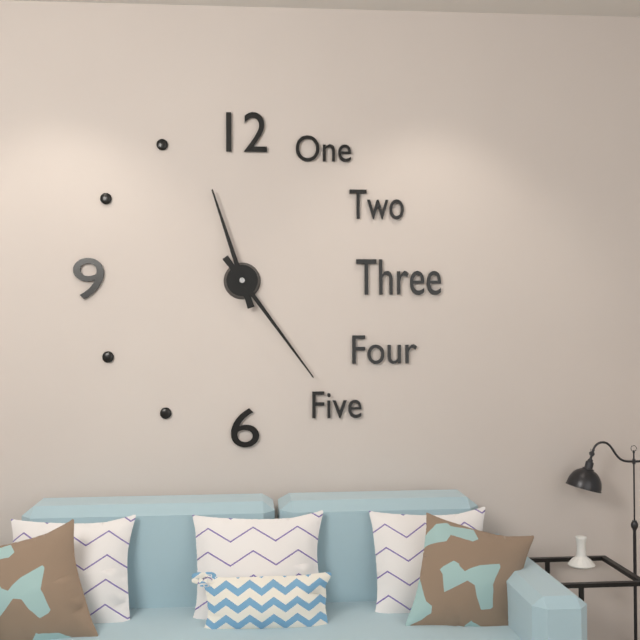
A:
**11:24**
